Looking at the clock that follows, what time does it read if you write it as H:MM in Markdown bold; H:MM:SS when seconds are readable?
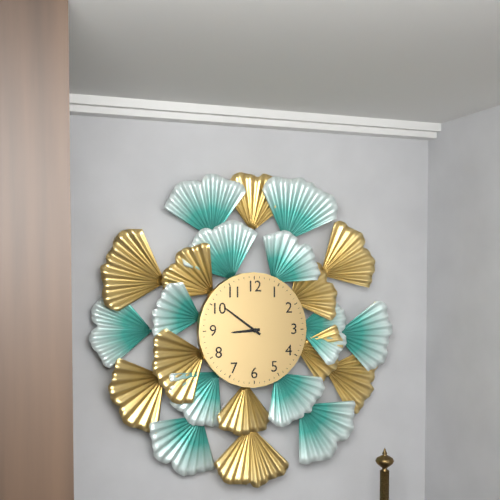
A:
**8:51**
